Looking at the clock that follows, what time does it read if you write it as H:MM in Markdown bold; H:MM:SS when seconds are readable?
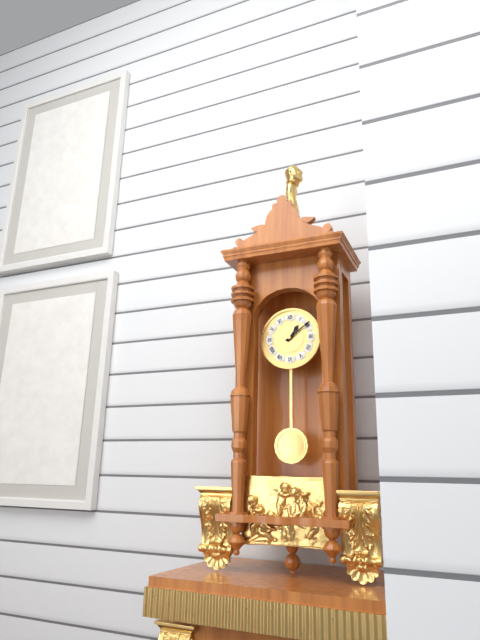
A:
**1:09**
